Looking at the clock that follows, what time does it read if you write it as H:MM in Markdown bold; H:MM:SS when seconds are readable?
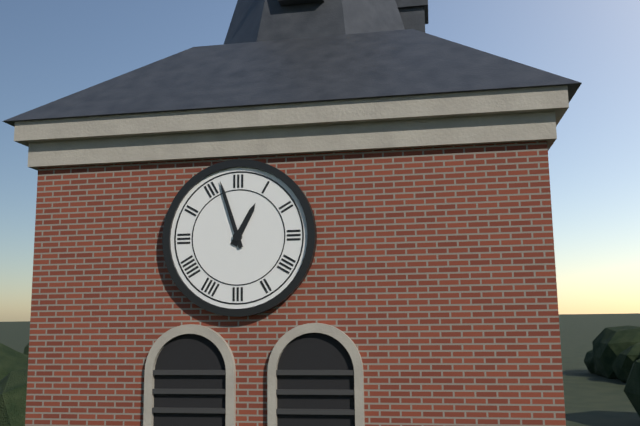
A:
**12:57**
